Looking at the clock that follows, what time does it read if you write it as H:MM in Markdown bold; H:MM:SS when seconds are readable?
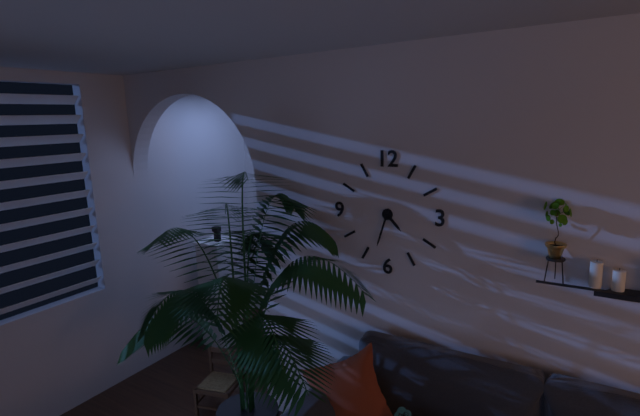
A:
**4:33**
